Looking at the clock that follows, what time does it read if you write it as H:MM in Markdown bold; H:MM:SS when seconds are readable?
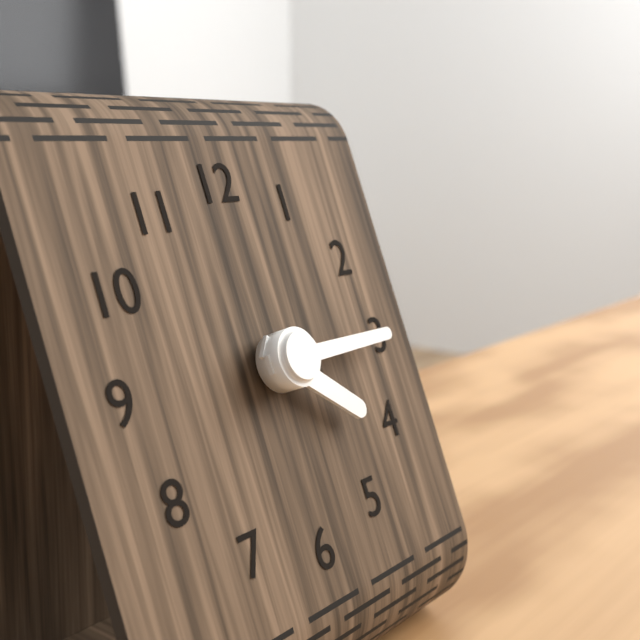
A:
**4:15**
